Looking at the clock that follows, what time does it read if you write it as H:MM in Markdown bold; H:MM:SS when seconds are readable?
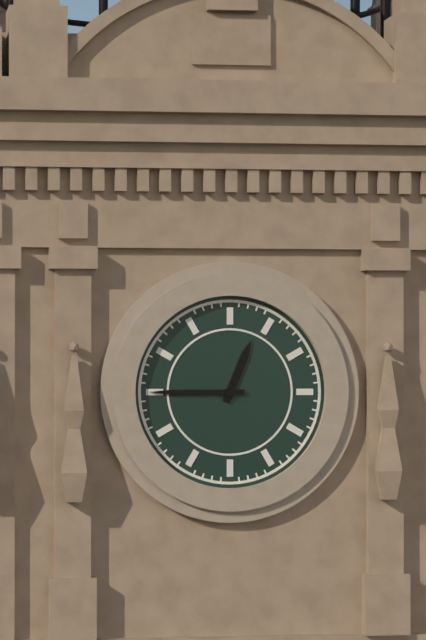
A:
**12:45**
